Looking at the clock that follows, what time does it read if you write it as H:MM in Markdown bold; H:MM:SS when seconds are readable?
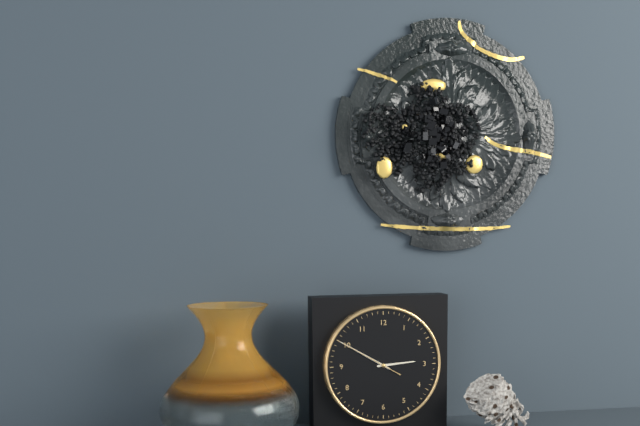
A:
**2:50:50**
